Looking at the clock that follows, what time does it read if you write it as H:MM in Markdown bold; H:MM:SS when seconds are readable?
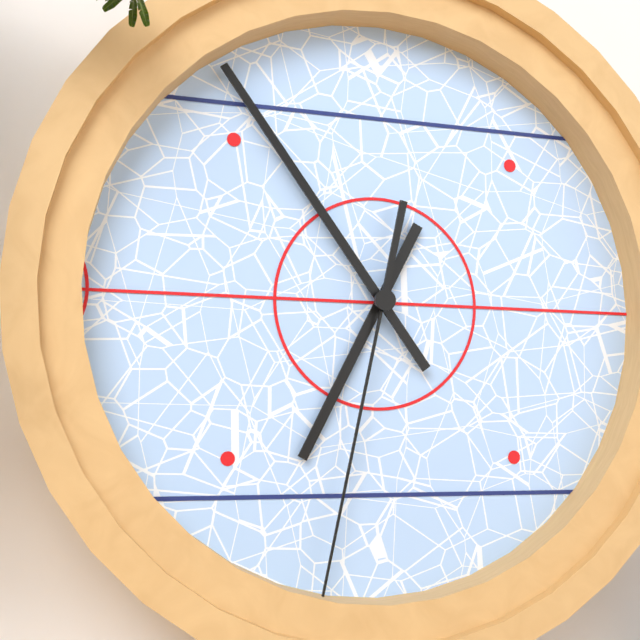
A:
**6:54:32**
